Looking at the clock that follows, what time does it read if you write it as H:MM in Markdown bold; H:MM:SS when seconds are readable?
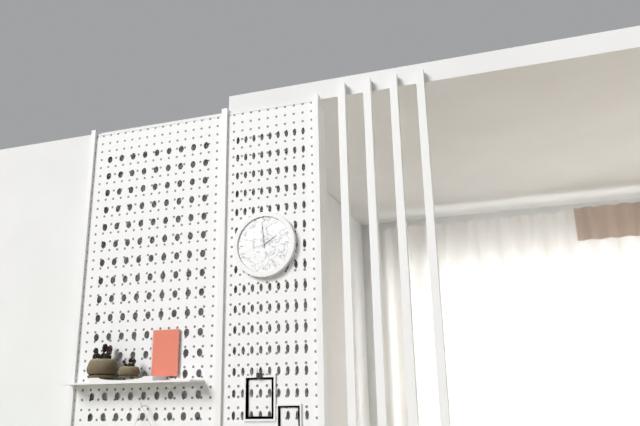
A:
**1:59**
